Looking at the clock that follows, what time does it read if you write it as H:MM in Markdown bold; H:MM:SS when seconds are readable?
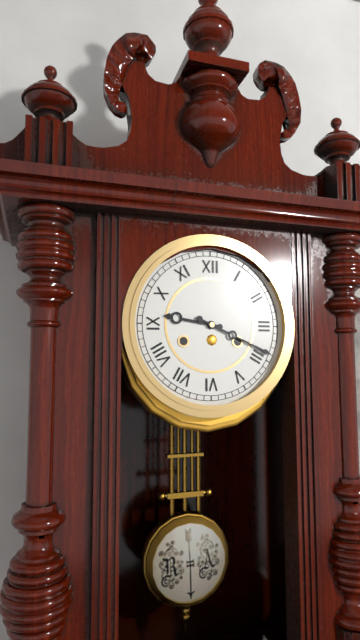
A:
**9:19**
